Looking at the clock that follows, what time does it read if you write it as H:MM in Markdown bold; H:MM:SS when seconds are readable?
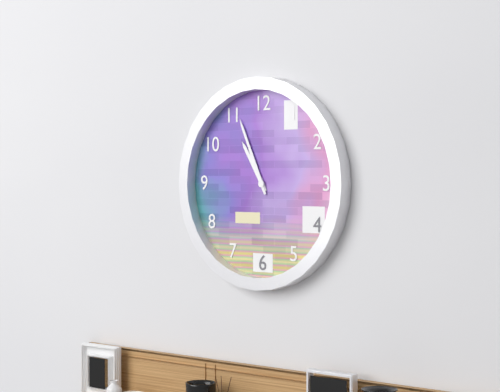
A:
**10:56**
